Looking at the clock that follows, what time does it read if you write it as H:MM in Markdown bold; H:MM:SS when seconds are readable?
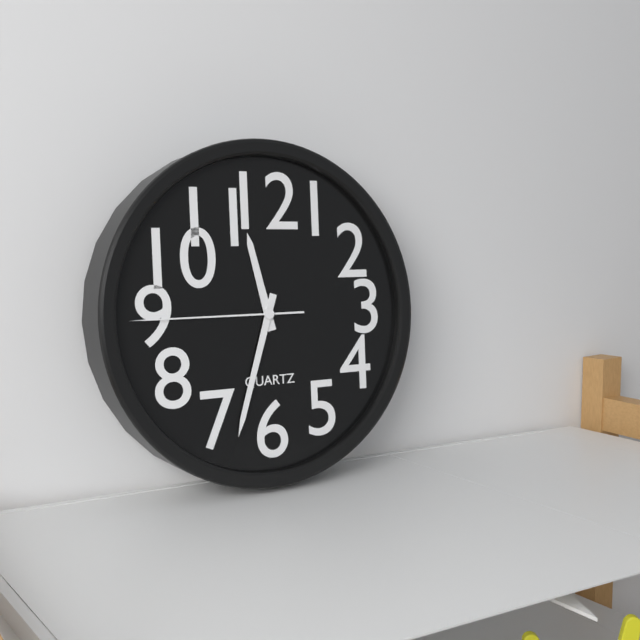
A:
**11:33:45**
